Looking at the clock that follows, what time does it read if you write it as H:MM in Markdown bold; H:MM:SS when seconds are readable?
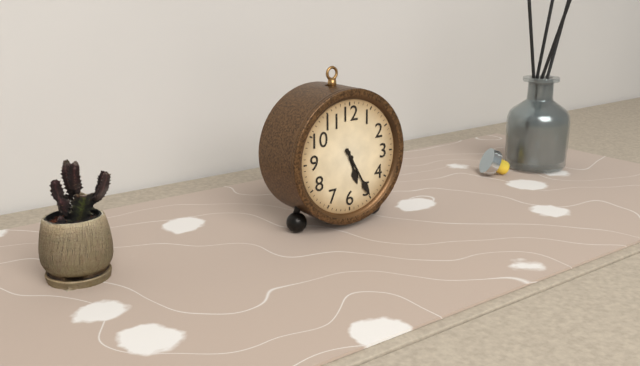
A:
**5:25**
